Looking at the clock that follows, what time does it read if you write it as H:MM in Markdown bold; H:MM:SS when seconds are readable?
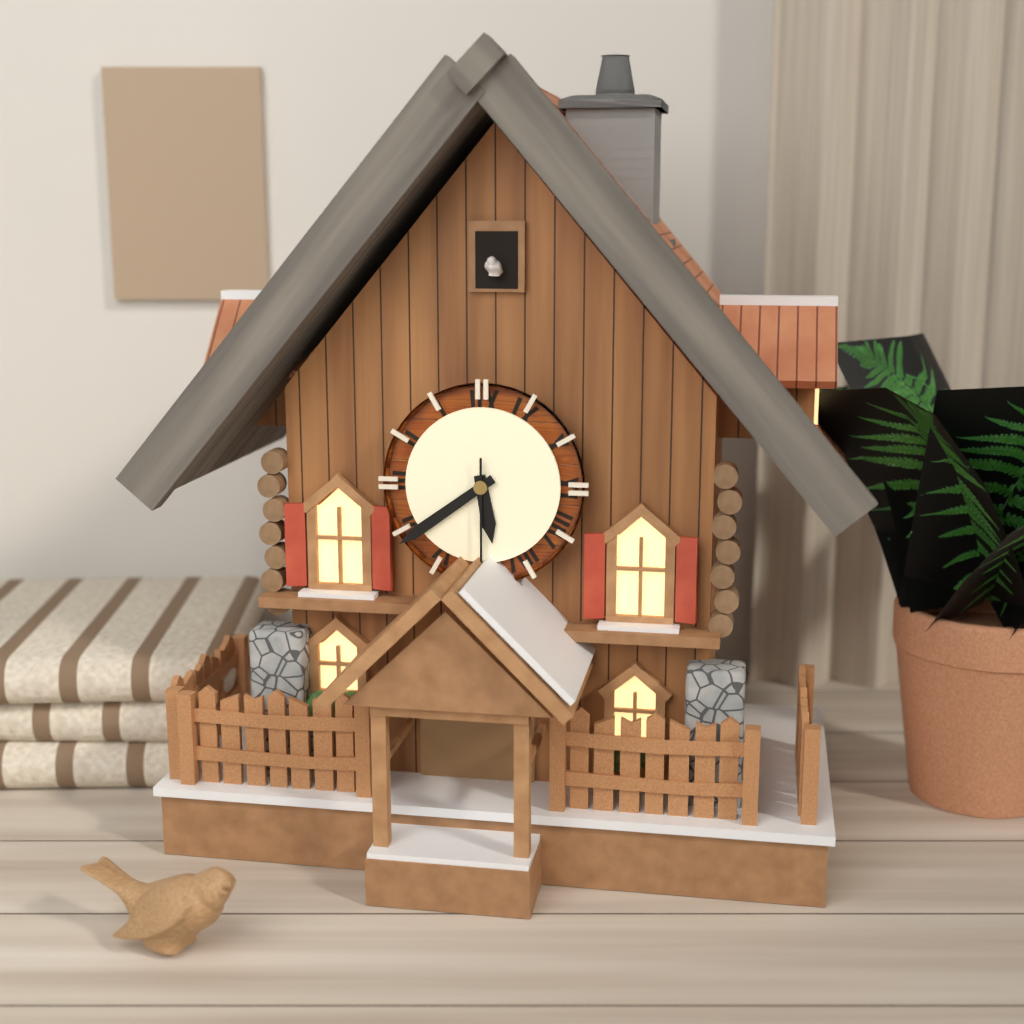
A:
**5:39**
